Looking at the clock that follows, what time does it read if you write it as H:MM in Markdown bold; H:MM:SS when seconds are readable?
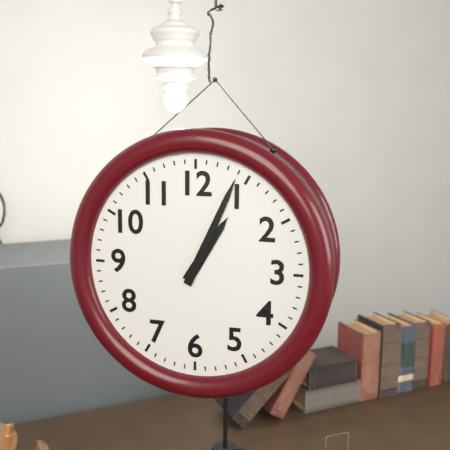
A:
**1:04**
